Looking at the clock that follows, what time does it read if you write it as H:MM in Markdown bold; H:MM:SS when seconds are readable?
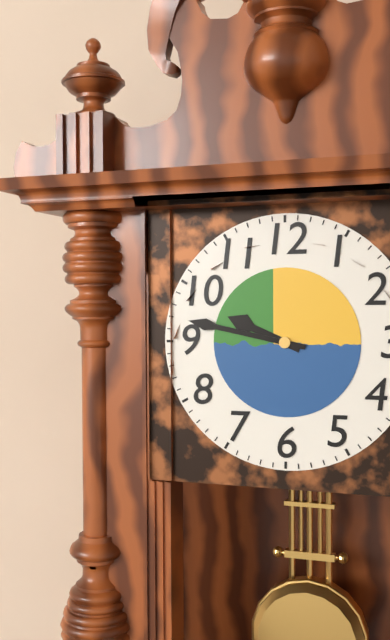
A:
**9:47**
